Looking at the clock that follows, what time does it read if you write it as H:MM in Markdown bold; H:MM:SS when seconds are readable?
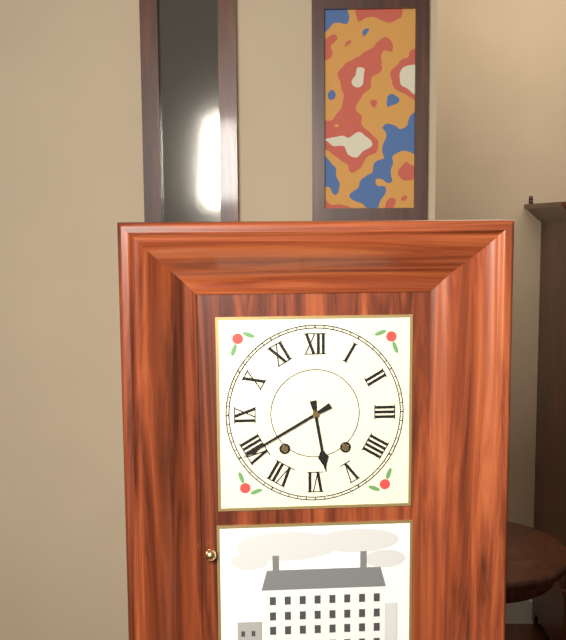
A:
**5:40**
